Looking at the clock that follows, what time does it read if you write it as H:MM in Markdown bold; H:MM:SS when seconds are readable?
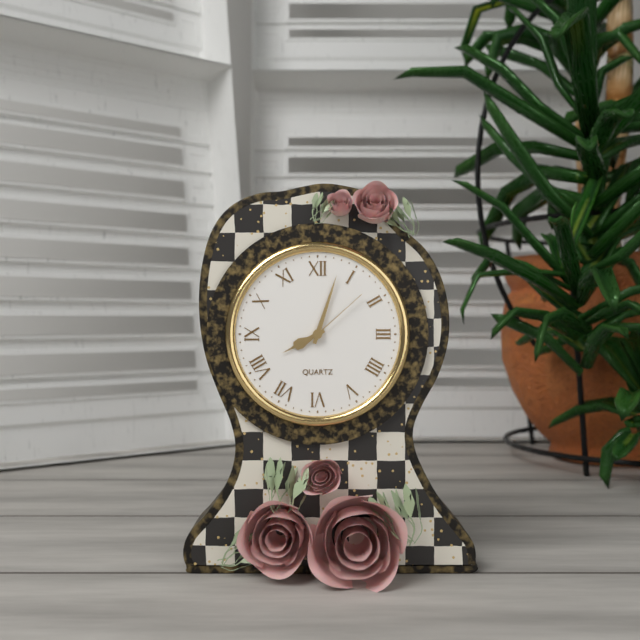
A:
**8:03:08**
